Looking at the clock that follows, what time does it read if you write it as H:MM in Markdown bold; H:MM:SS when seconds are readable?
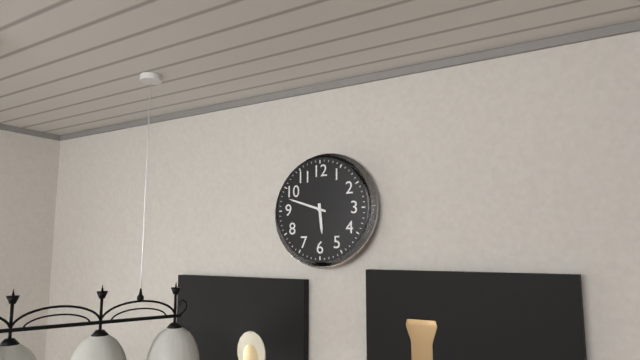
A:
**5:48**
